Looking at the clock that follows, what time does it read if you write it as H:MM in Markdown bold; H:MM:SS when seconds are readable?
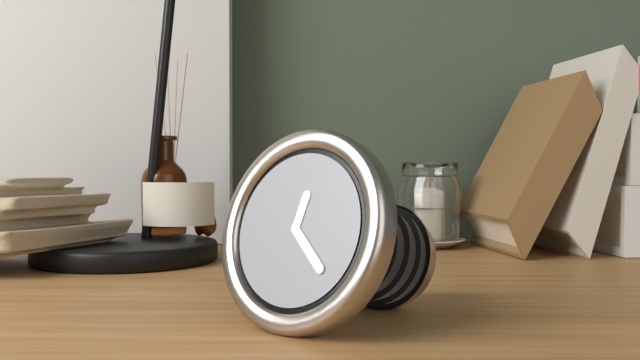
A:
**12:22**
